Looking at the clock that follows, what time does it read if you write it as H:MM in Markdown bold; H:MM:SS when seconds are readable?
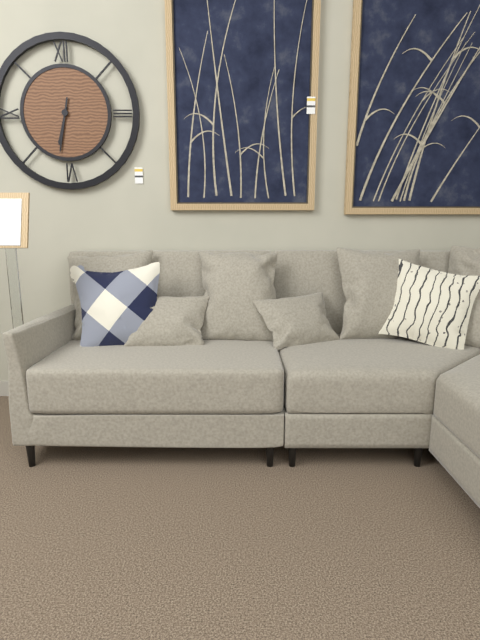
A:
**6:32**
